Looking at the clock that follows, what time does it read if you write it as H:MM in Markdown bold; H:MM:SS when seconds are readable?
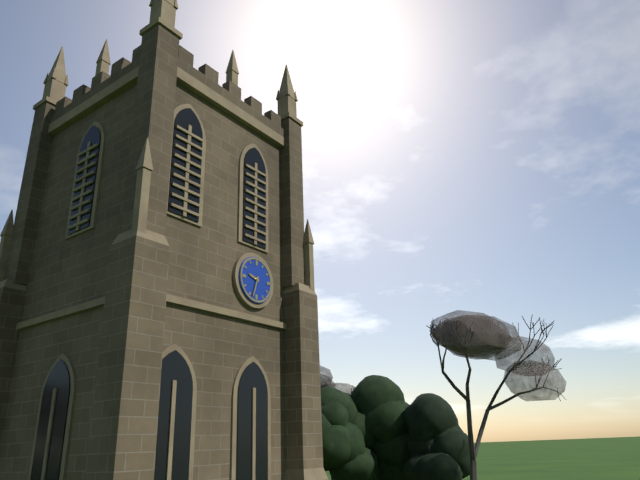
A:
**9:33**
